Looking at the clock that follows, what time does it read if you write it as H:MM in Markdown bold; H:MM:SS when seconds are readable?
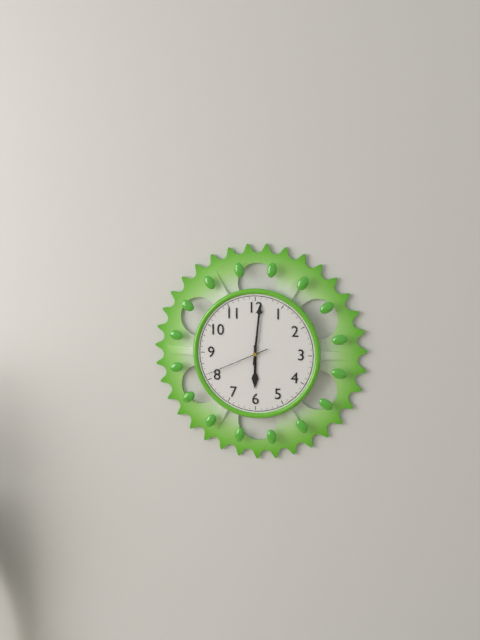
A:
**6:01:41**
